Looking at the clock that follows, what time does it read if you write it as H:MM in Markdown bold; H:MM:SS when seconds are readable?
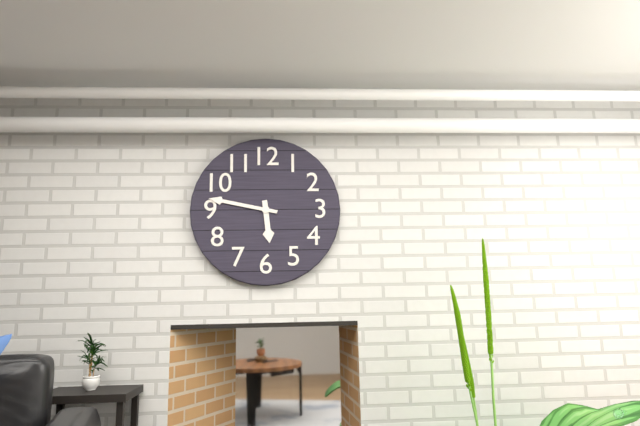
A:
**5:47**
